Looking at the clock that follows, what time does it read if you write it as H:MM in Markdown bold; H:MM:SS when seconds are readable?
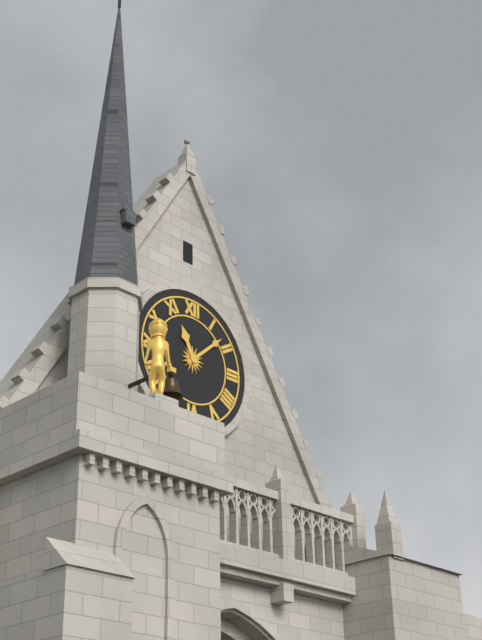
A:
**11:08**
